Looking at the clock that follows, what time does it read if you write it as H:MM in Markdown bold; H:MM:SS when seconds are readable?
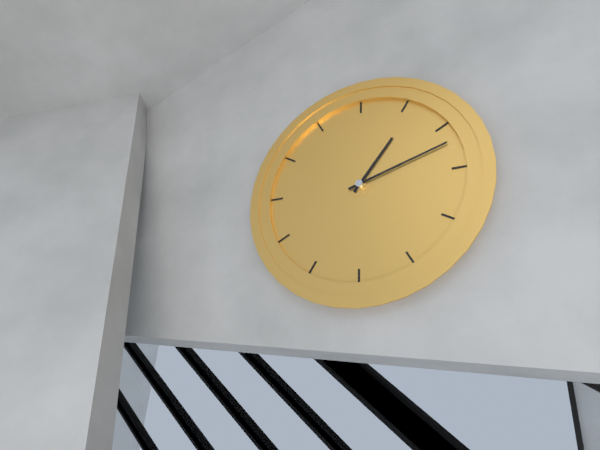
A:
**1:12**
